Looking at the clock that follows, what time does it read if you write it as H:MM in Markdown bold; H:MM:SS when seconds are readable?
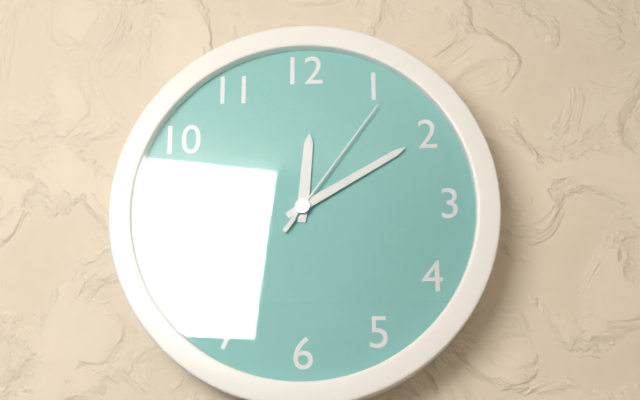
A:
**12:10:06**
